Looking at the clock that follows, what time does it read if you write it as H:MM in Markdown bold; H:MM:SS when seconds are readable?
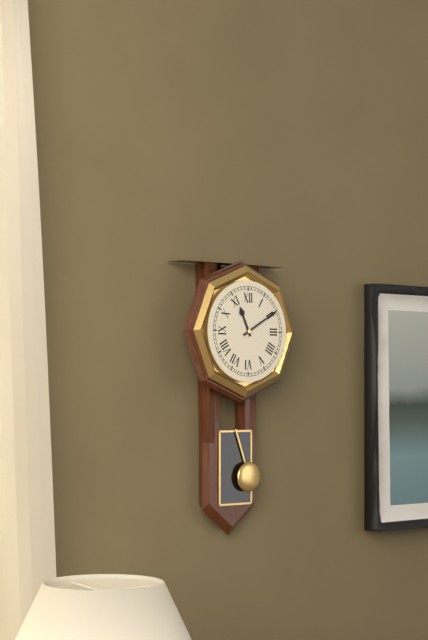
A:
**11:10**
